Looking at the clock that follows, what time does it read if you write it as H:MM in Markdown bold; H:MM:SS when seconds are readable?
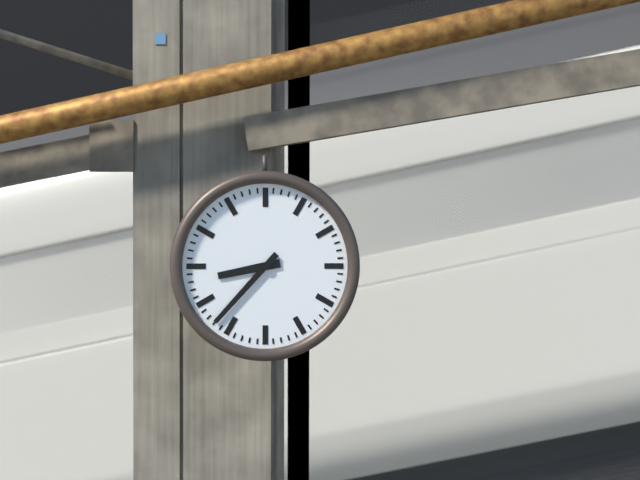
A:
**8:37**
